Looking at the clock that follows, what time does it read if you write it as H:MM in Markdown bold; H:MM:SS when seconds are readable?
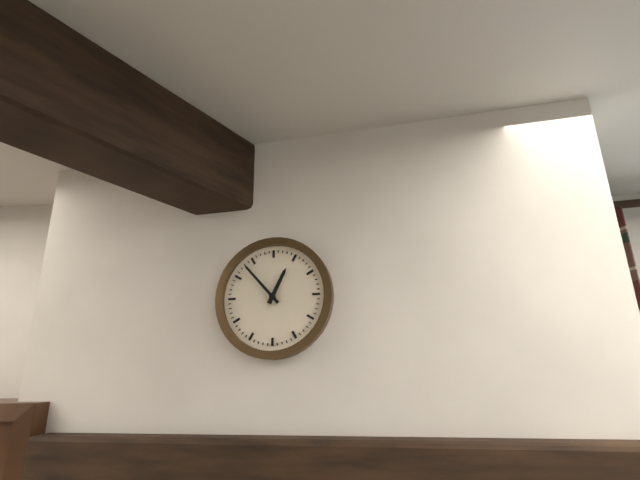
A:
**12:53**
